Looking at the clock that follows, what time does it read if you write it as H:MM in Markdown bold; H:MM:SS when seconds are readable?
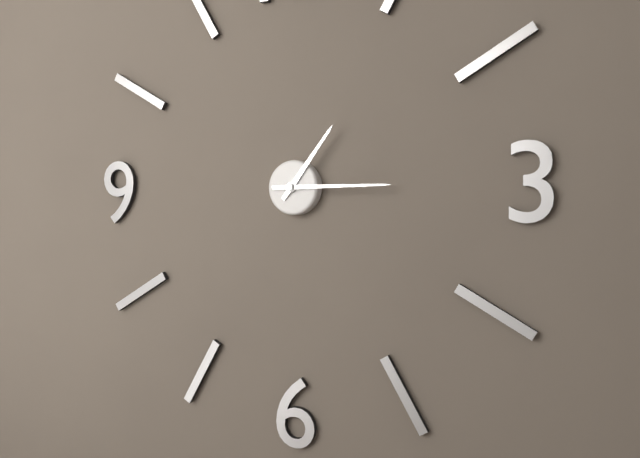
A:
**1:15**
